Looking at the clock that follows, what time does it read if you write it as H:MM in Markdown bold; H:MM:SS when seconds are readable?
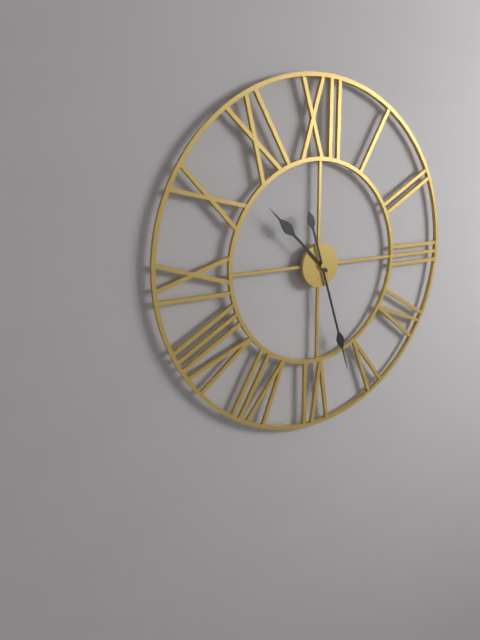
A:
**10:27**
